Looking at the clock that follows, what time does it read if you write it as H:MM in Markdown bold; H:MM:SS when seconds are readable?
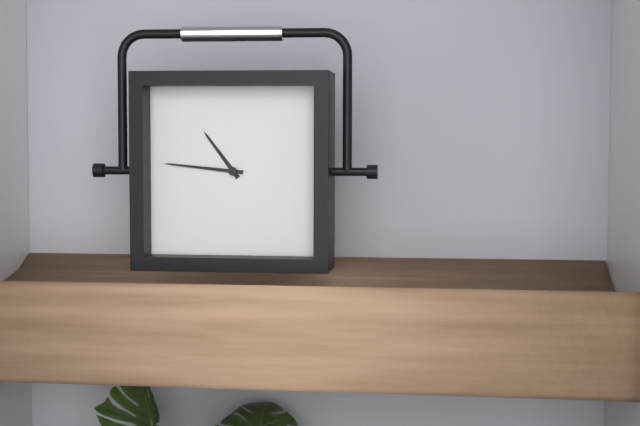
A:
**10:46**
